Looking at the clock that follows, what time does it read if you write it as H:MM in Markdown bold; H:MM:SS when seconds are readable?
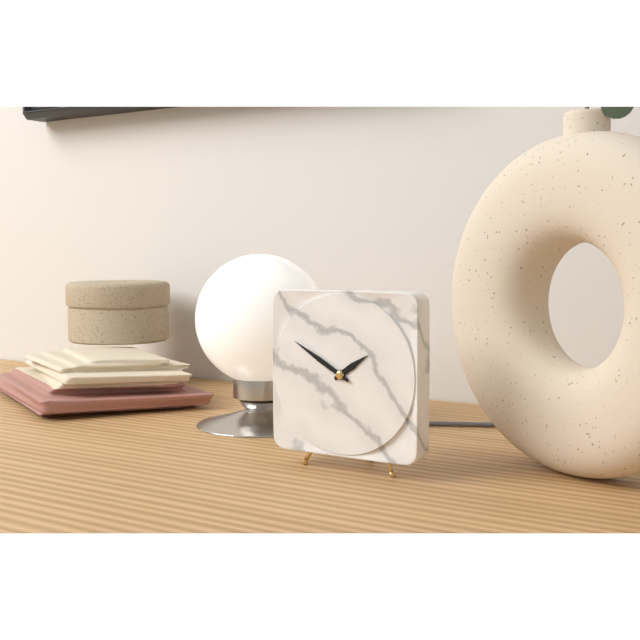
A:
**1:50**
